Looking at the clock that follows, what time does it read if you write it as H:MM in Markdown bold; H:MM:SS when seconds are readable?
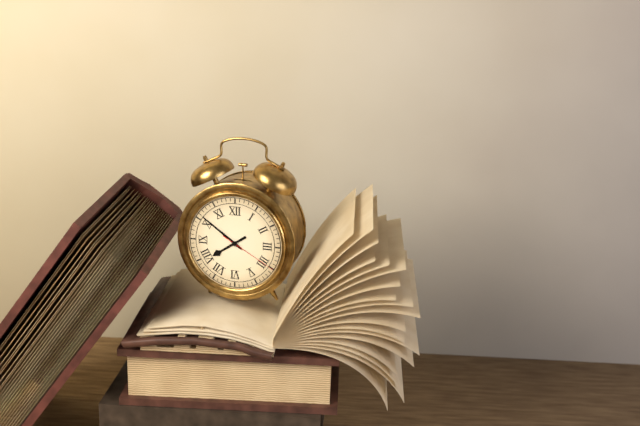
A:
**7:51:20**
